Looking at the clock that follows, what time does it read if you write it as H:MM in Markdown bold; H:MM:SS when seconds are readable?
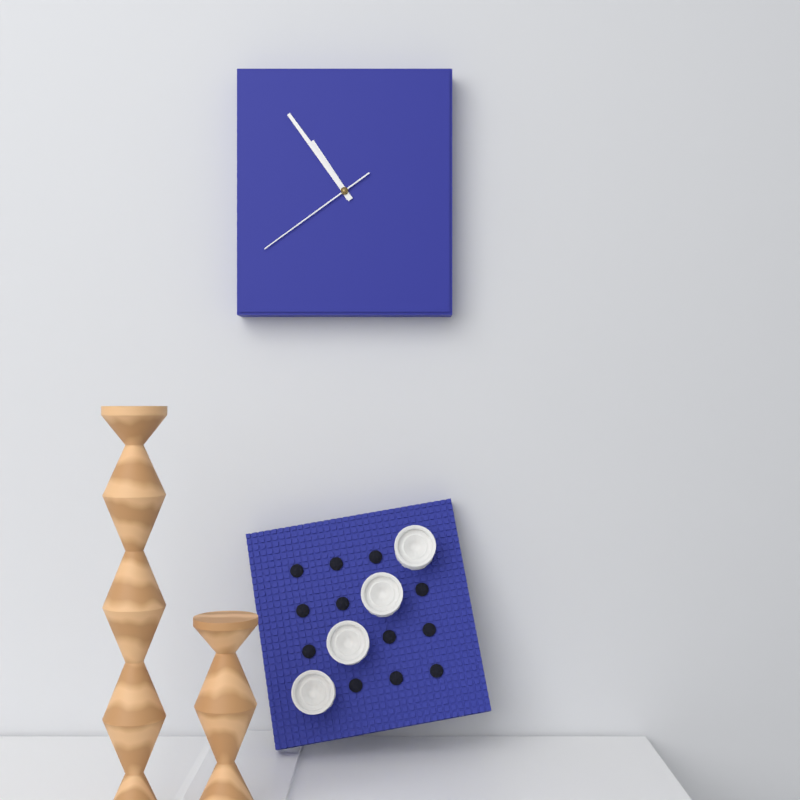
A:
**10:54:39**
